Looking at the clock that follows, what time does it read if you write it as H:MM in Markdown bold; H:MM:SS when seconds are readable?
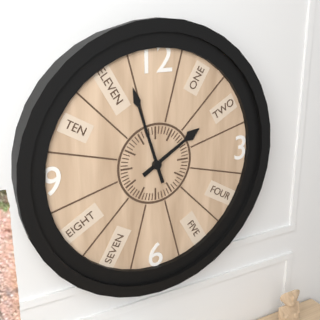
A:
**1:57**
